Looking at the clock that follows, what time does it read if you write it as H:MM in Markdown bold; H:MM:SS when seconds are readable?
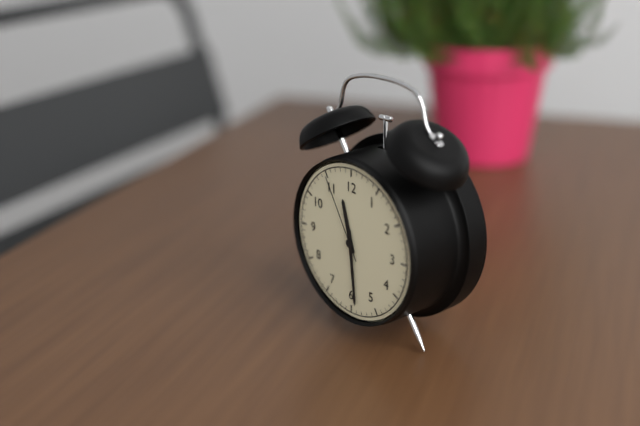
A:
**11:29:55**
